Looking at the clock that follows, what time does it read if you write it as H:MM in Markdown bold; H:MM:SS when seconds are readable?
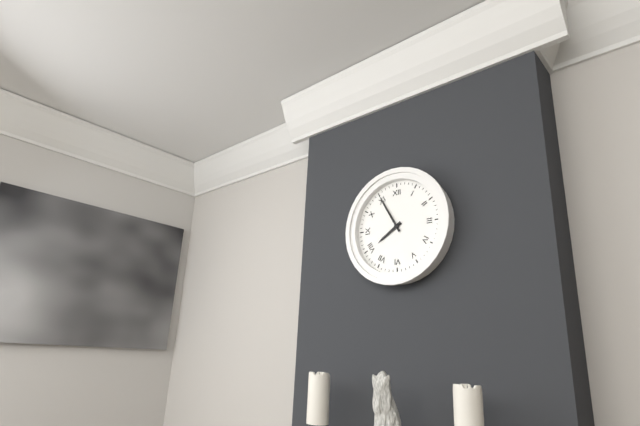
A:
**7:55**
